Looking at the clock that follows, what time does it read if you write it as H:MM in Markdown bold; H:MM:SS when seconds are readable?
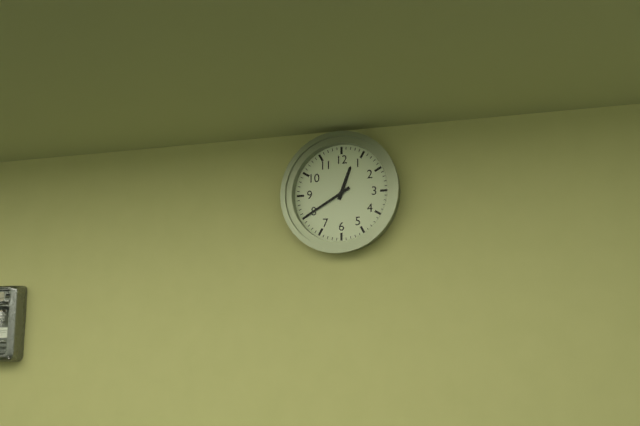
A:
**12:40**
